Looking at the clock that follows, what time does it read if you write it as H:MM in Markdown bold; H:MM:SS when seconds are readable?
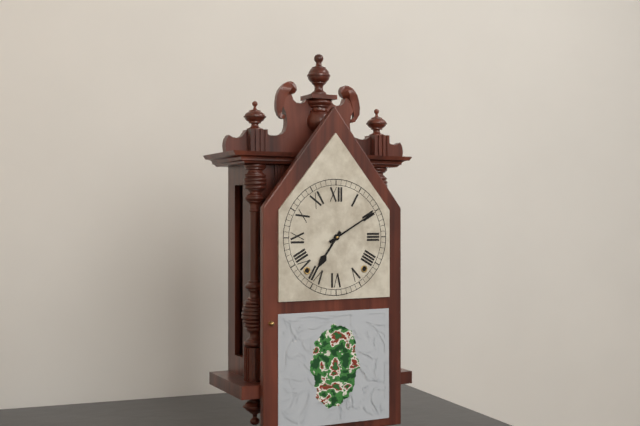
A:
**7:10**
